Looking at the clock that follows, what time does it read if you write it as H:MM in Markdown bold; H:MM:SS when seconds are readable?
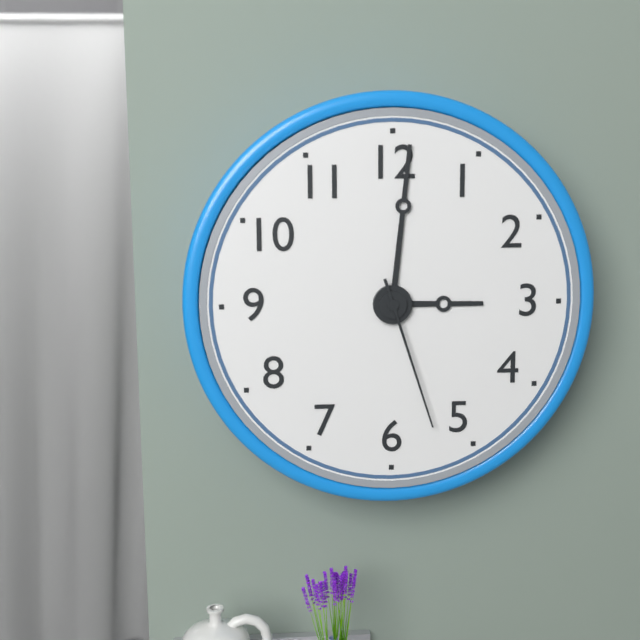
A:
**3:01:27**
